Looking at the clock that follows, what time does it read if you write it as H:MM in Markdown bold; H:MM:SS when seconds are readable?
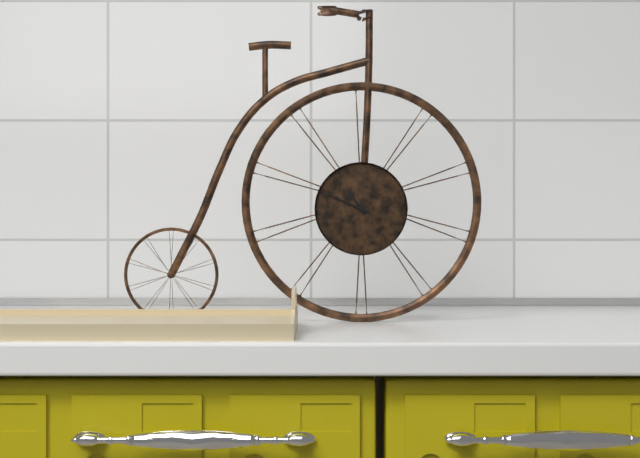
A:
**10:49**
